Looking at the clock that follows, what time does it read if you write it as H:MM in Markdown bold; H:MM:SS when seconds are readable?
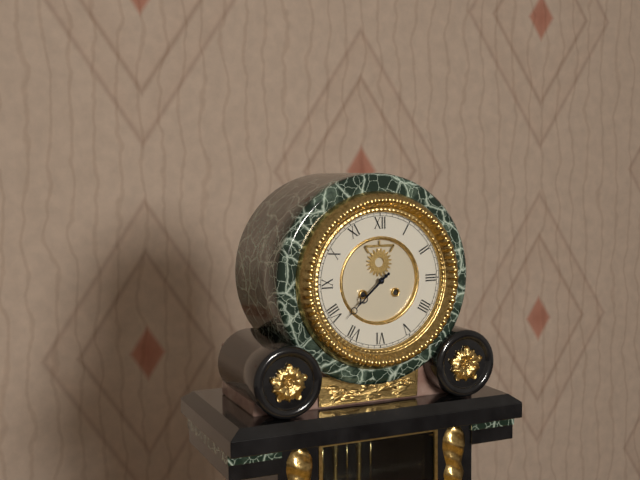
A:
**7:38**
